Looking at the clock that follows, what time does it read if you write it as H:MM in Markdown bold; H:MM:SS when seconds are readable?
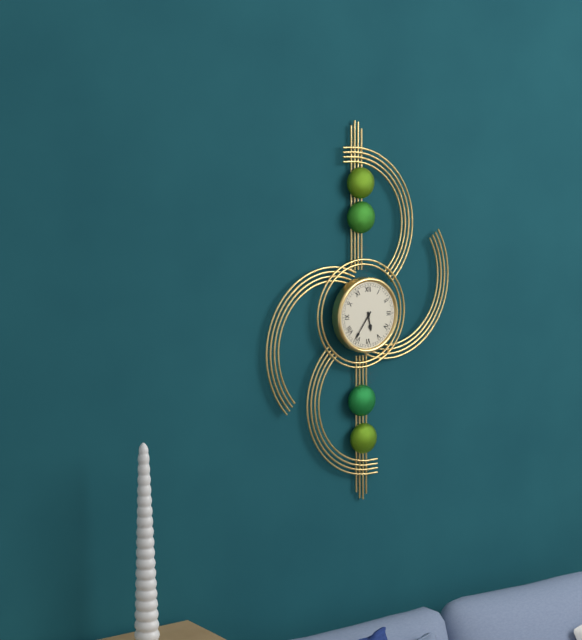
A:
**5:36**
